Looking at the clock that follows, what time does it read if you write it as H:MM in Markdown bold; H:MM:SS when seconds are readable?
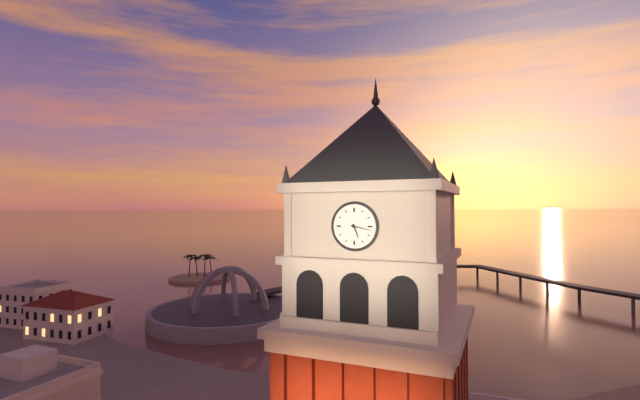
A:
**5:17**
